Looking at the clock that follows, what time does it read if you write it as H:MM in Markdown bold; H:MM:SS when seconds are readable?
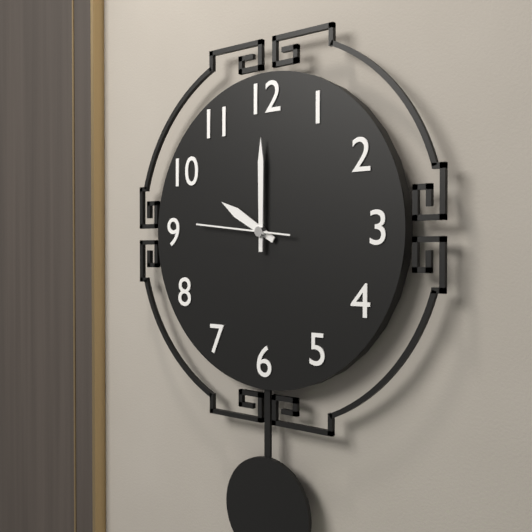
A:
**10:00:46**
